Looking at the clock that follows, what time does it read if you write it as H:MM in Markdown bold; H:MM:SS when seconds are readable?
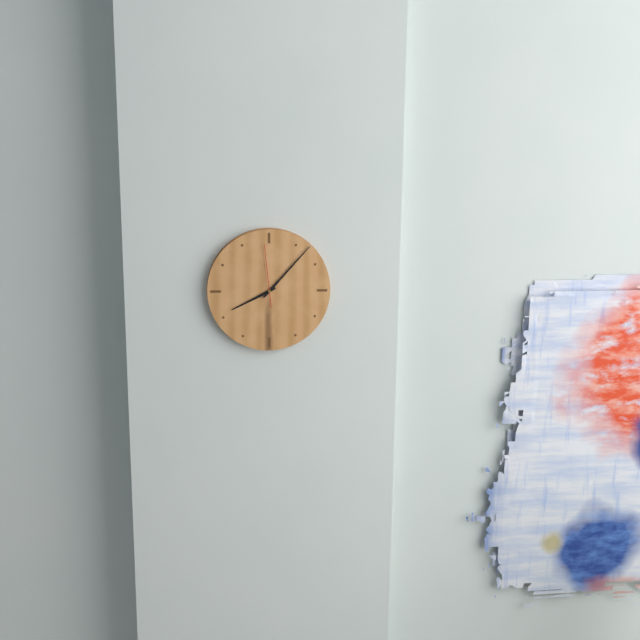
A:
**8:07:59**
